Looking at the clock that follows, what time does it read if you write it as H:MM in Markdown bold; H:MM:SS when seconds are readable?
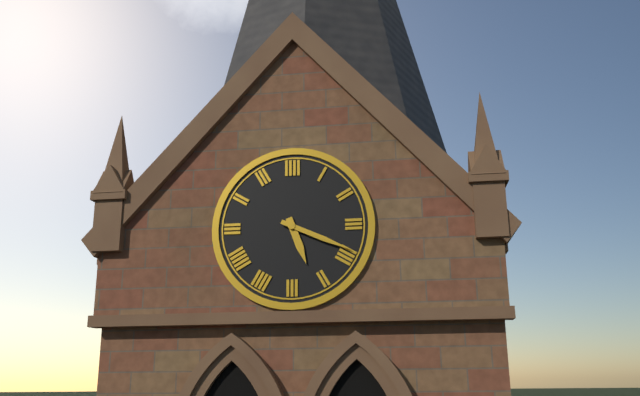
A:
**5:19**
